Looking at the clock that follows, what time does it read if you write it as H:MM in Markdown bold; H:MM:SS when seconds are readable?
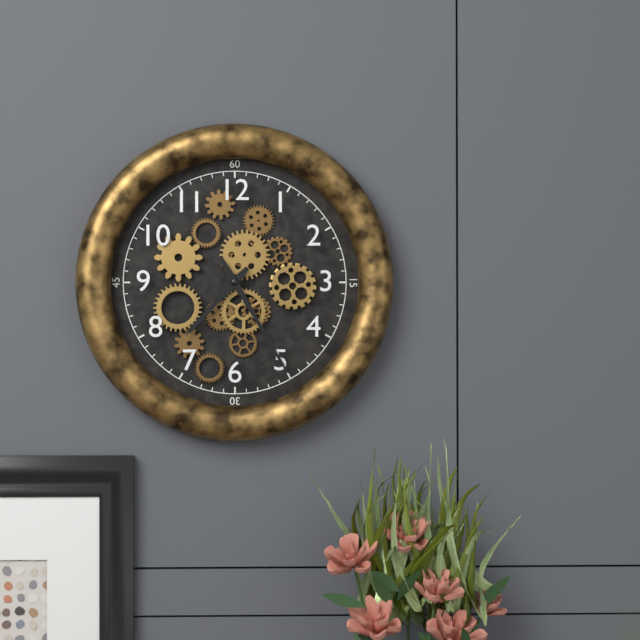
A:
**7:25**
